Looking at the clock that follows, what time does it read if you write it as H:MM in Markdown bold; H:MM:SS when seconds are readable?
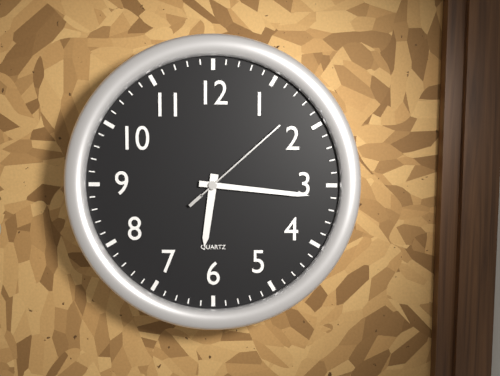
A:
**6:16:08**
